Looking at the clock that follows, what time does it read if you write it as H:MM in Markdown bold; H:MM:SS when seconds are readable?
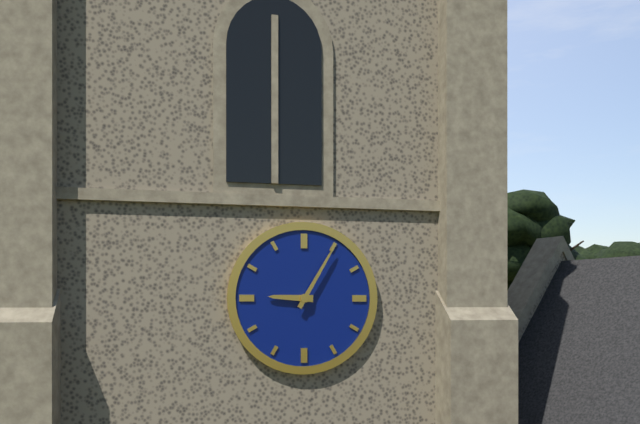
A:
**9:05**
